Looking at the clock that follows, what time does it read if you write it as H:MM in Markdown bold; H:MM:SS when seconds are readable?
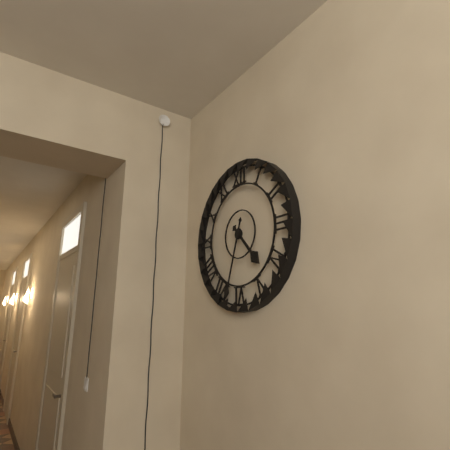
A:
**4:33**
